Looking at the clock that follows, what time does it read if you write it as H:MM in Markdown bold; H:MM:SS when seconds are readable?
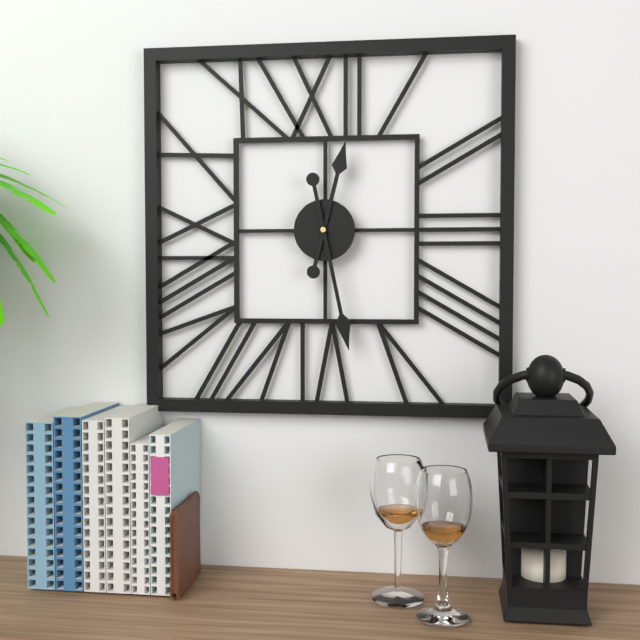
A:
**12:28**
